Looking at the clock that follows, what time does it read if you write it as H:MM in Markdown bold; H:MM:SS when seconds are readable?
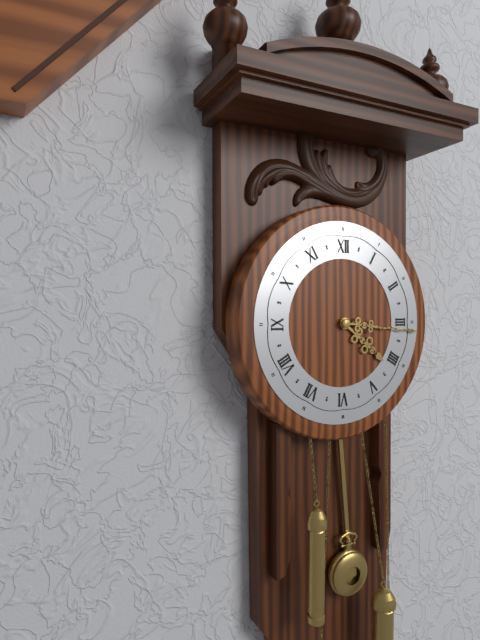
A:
**4:16**
